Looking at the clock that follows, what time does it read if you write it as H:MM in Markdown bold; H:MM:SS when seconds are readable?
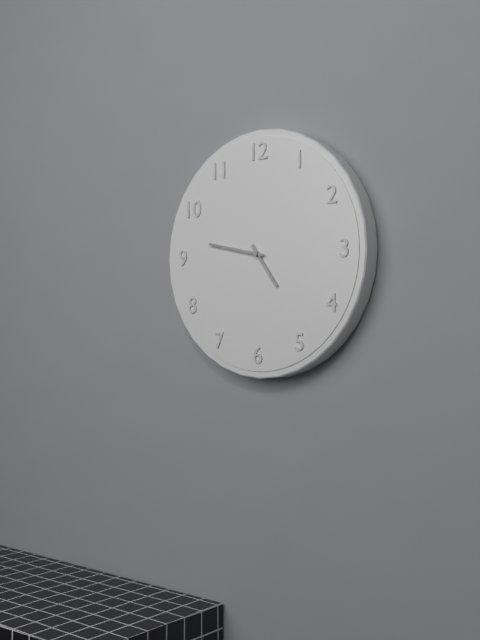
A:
**4:47**
